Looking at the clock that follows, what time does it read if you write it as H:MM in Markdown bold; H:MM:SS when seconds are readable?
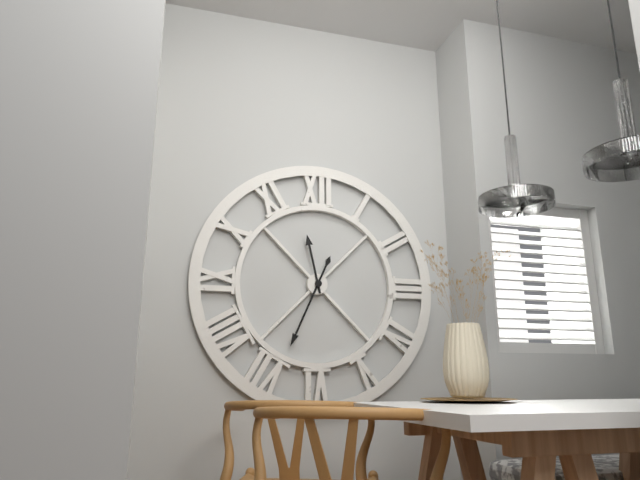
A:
**11:34**
